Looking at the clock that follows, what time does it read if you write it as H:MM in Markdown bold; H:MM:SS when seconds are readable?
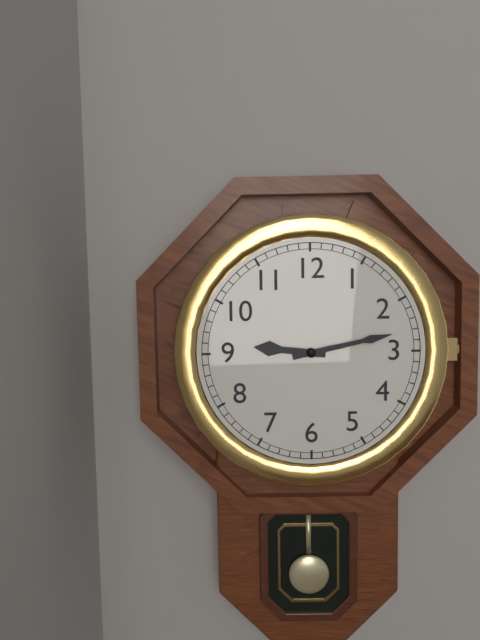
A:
**9:13**
